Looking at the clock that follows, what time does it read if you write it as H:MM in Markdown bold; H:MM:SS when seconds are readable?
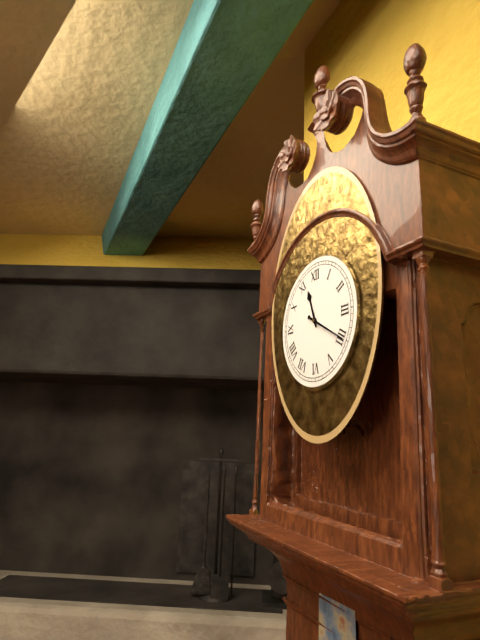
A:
**11:20**
